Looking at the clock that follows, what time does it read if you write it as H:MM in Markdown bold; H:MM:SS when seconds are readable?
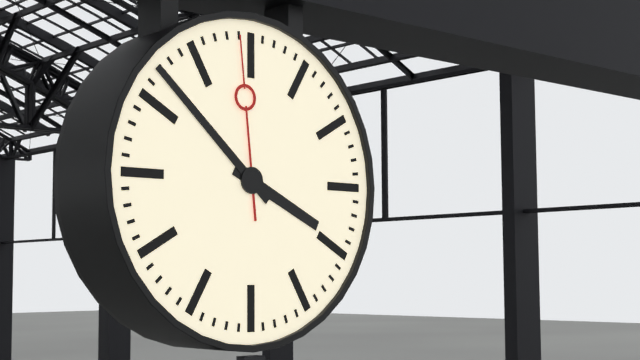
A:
**3:52:59**
